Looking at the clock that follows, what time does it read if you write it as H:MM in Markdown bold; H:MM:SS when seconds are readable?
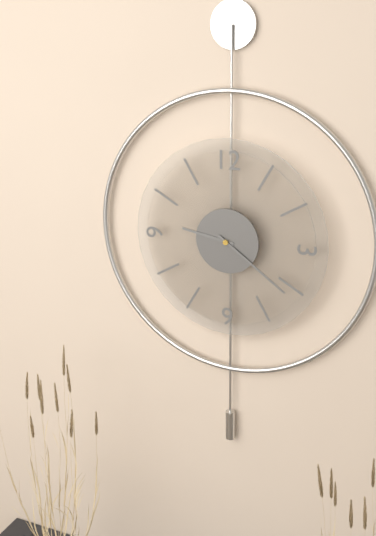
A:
**9:21**
